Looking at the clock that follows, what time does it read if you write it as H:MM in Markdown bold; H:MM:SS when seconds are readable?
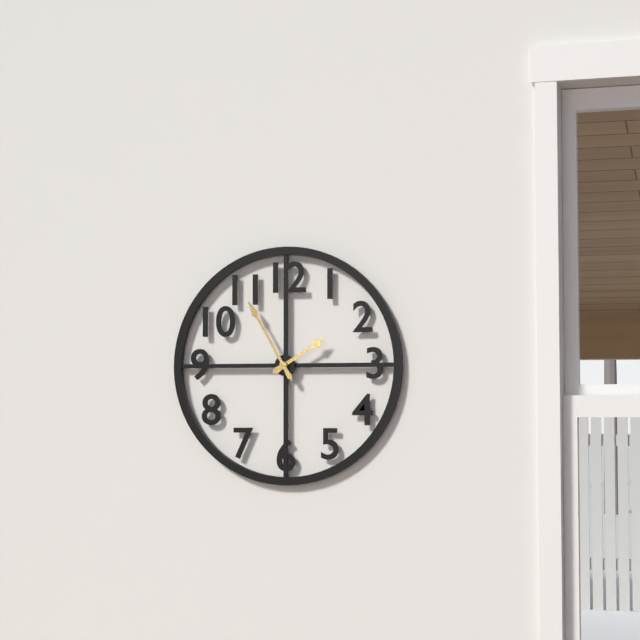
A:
**1:55**
